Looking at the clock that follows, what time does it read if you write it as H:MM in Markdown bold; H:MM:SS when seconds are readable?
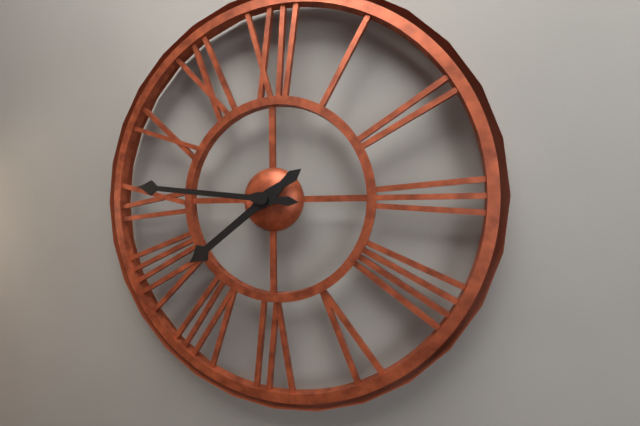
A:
**7:46**
